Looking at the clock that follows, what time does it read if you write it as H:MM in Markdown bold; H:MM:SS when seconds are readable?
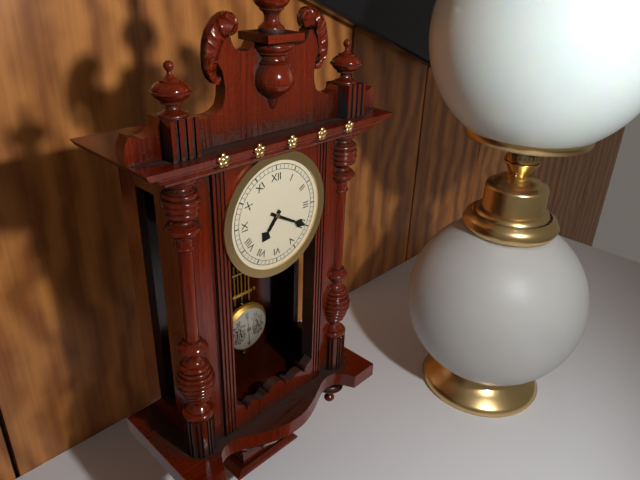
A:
**7:20**
